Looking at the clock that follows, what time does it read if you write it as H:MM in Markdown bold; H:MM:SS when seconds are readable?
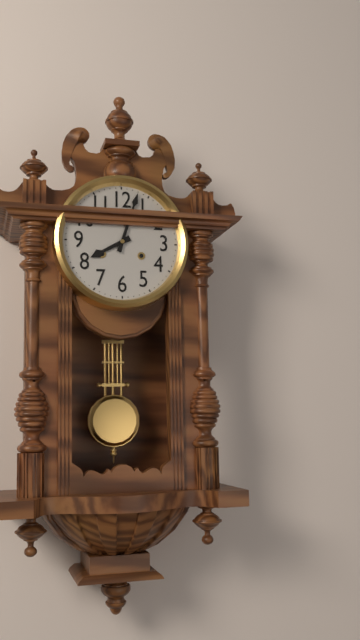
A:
**8:03**
